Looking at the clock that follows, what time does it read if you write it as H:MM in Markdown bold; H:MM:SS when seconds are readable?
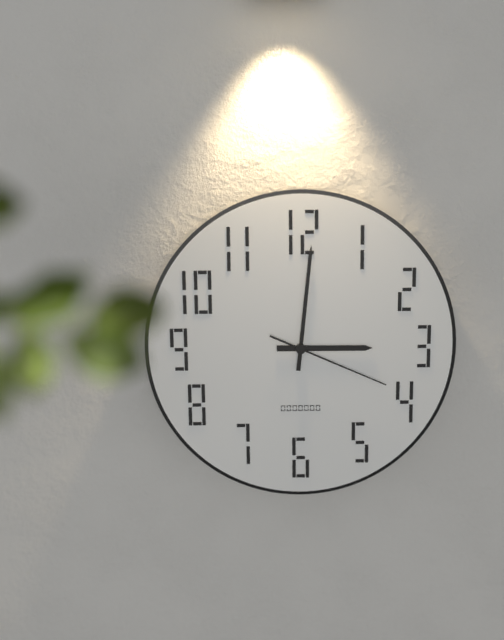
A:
**3:01:19**
